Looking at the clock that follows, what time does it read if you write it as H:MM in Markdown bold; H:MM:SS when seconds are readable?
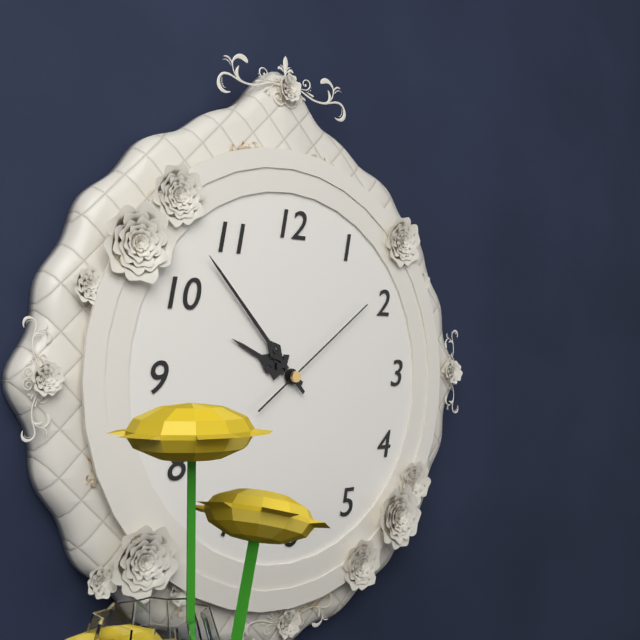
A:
**9:53:09**
